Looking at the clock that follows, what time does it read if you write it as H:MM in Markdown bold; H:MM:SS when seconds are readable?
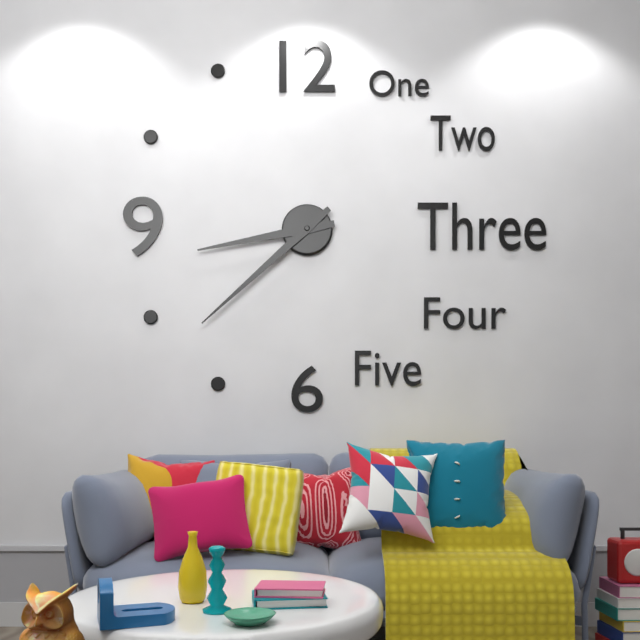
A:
**8:38**
